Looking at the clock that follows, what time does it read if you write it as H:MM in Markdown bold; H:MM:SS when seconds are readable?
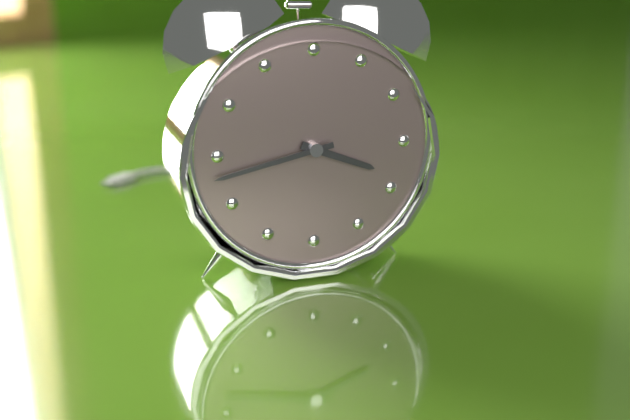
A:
**3:43**
